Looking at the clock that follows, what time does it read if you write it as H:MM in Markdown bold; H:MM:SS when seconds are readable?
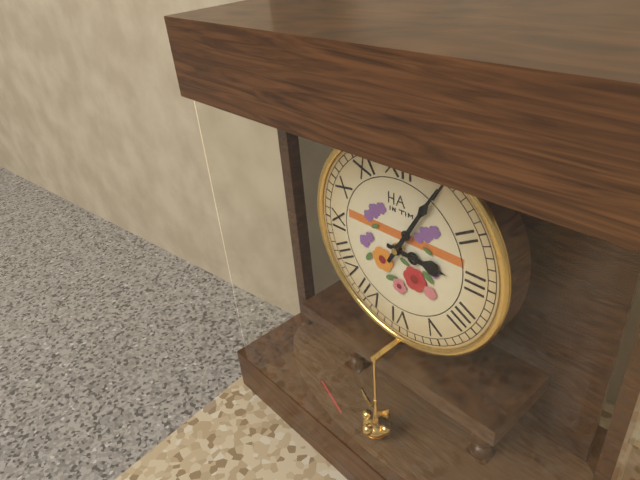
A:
**3:05**
